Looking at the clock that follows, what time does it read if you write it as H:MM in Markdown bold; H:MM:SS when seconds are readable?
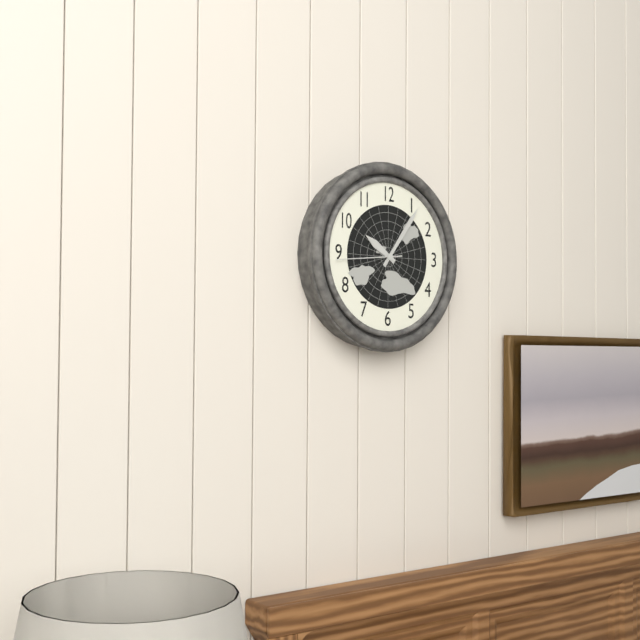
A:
**10:06:44**
